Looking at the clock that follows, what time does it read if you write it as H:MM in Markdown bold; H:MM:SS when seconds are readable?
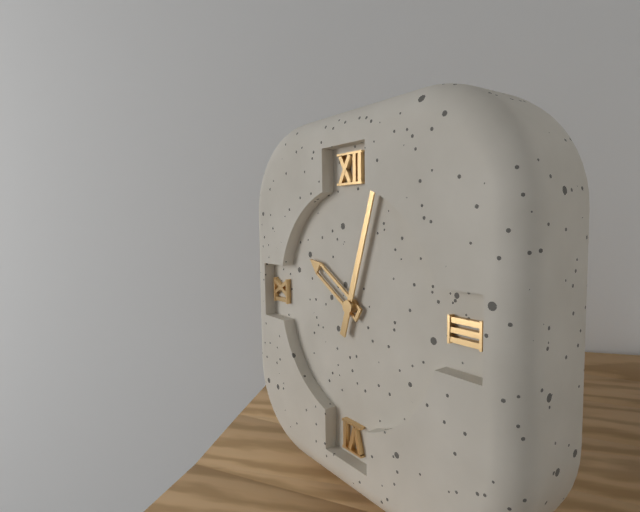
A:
**10:03**
